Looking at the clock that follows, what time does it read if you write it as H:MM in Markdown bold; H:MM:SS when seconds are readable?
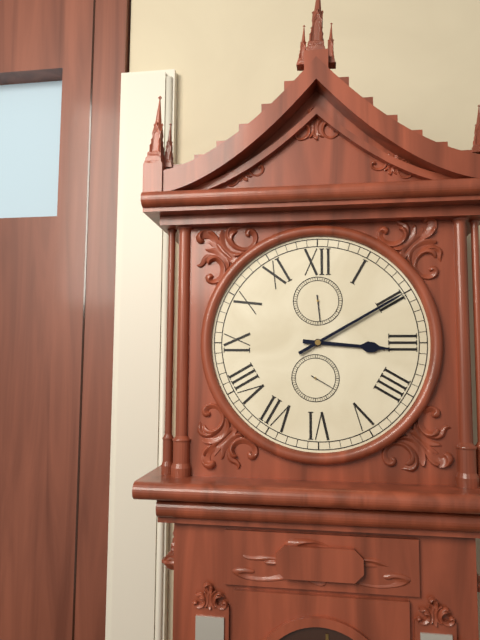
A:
**3:10**
